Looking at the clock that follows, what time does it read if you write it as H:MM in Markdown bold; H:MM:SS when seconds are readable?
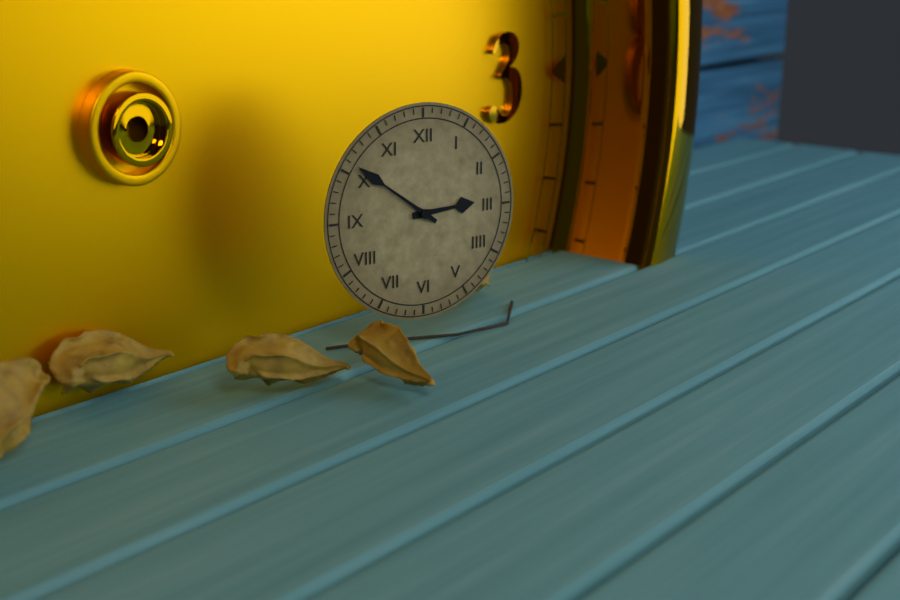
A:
**2:51**
